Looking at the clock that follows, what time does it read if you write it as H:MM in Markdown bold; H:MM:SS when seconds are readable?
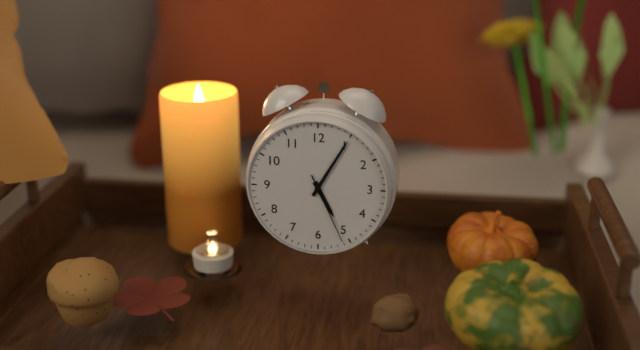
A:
**5:05:26**
